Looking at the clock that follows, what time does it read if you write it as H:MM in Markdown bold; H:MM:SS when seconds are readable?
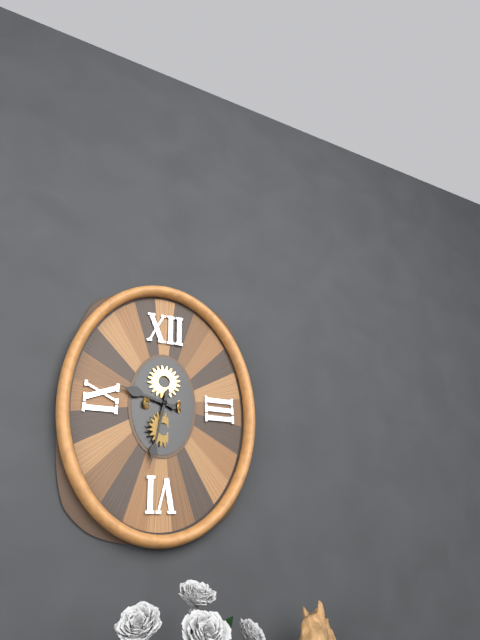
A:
**9:32**
